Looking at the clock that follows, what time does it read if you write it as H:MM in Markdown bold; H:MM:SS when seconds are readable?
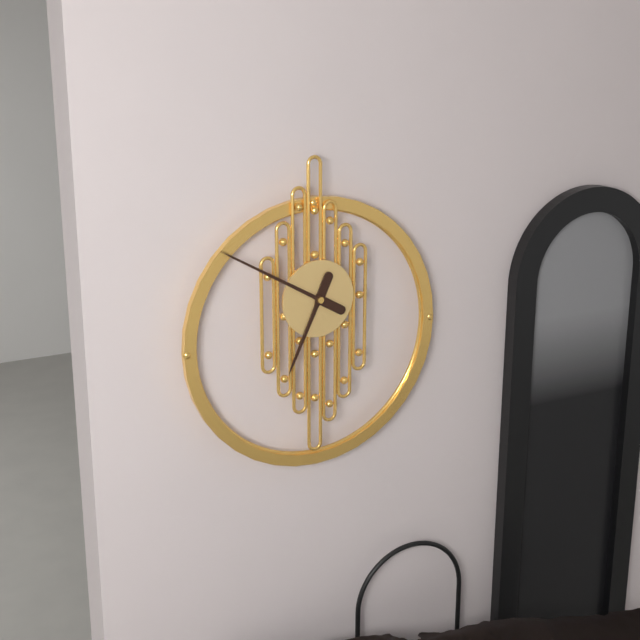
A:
**6:50**
